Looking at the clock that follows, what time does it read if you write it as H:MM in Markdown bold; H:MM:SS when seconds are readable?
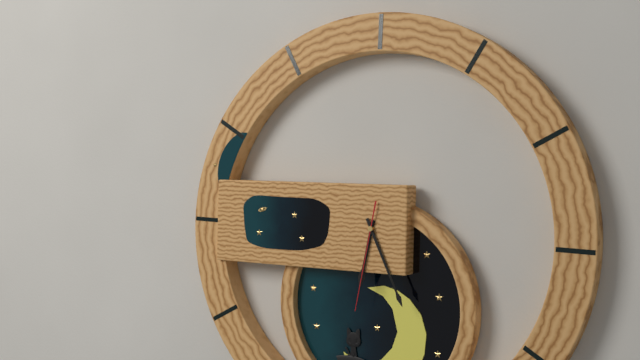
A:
**6:26:32**
